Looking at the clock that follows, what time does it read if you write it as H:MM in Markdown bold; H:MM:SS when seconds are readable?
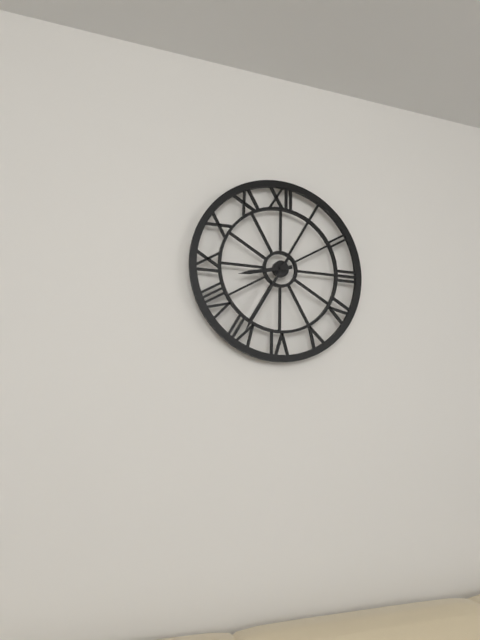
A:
**8:35**
